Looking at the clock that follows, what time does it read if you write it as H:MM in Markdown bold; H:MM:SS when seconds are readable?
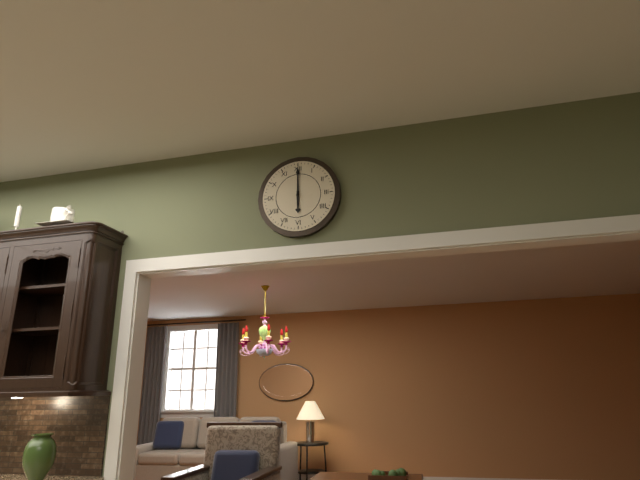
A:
**6:00**
